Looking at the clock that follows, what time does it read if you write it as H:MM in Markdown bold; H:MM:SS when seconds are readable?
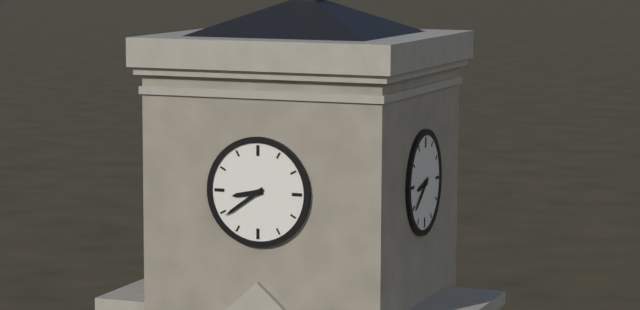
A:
**8:39**
